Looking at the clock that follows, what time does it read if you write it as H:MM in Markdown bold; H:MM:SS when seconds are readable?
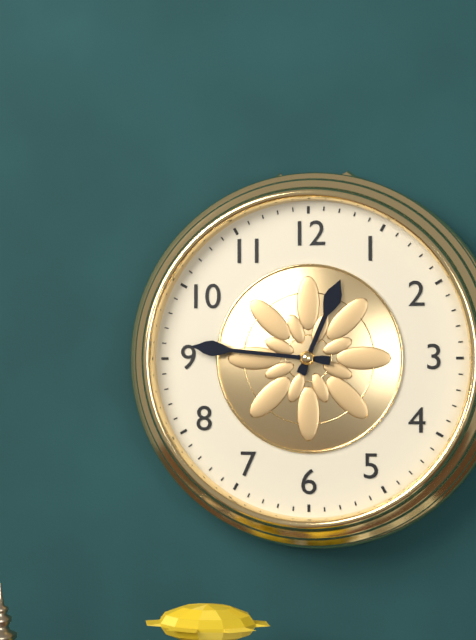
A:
**12:46**
